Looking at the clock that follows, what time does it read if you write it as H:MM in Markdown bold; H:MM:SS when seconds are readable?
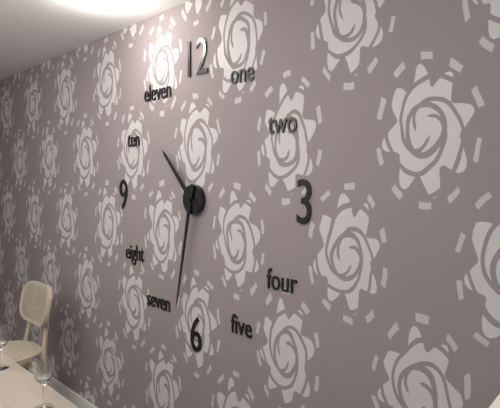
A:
**10:32**
